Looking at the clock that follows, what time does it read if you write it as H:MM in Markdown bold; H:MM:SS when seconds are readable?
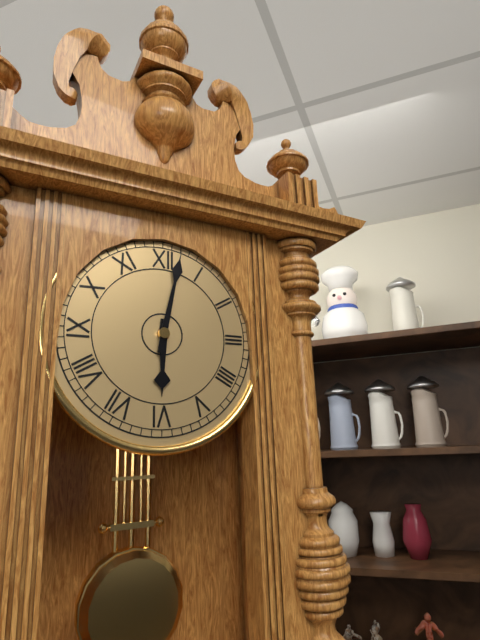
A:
**6:02**
